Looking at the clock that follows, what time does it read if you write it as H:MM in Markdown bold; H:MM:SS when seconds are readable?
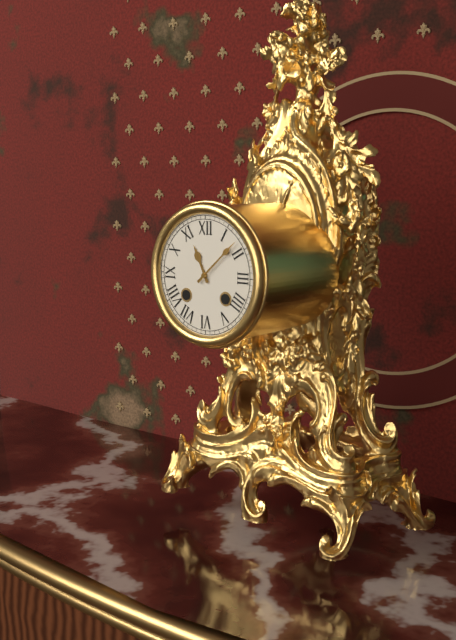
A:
**11:08**
